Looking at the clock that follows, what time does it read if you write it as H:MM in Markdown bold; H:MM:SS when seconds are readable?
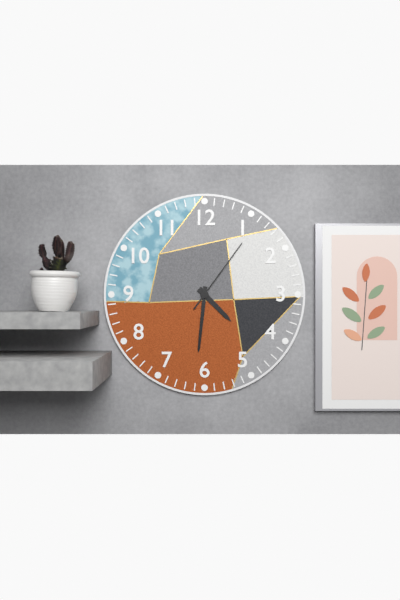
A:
**4:31:06**
